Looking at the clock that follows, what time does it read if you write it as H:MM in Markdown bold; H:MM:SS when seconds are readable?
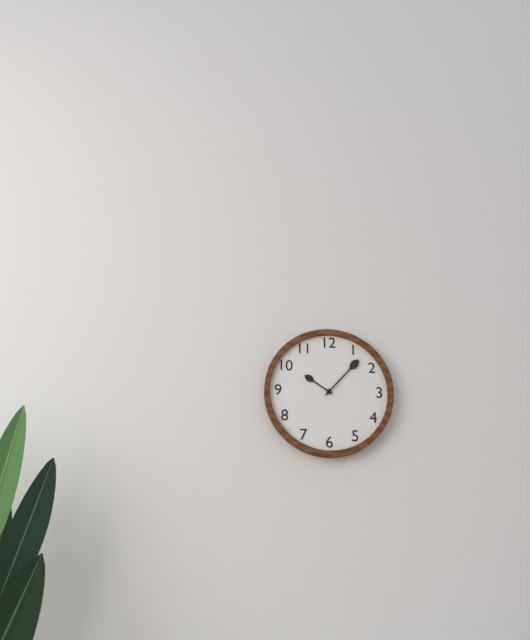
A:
**10:07**
